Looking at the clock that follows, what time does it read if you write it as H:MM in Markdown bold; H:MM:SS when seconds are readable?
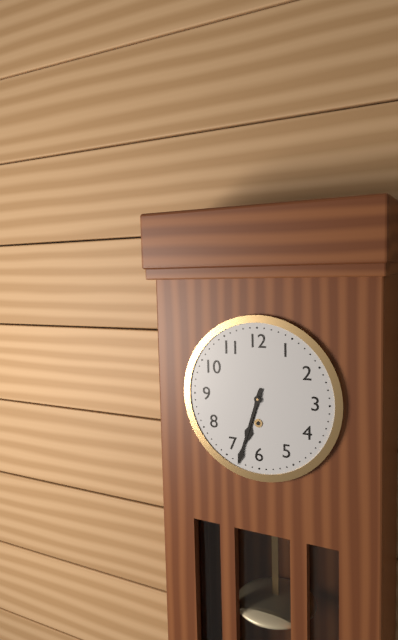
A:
**6:33**
